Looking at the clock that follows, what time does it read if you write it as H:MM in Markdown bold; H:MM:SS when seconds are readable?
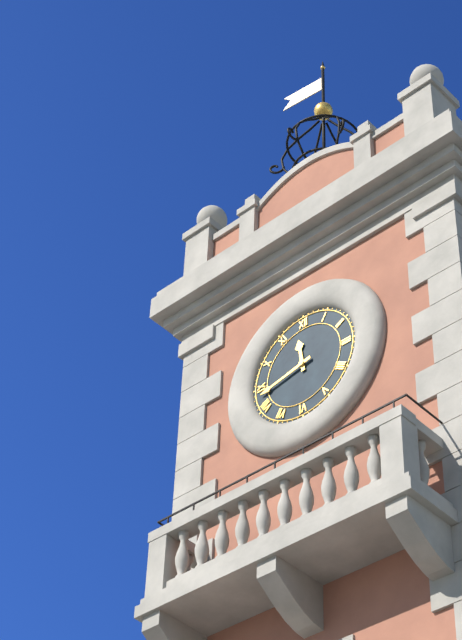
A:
**11:43**
